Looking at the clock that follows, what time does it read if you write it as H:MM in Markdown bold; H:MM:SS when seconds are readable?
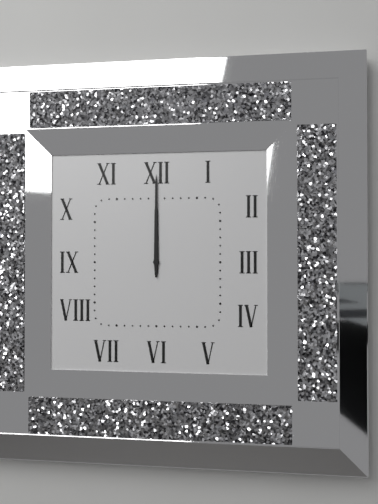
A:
**12:00**
